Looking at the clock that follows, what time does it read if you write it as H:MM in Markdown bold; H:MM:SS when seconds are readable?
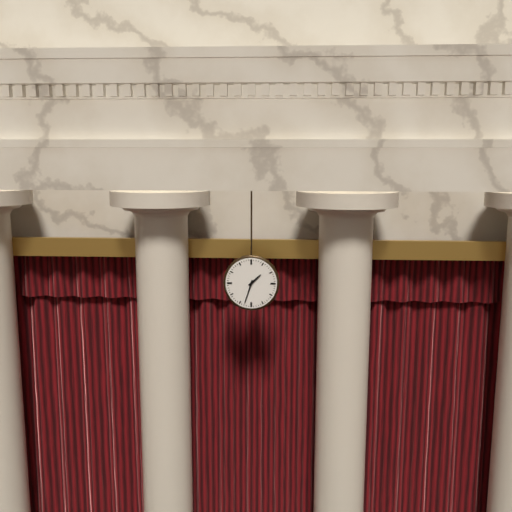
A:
**1:33**
